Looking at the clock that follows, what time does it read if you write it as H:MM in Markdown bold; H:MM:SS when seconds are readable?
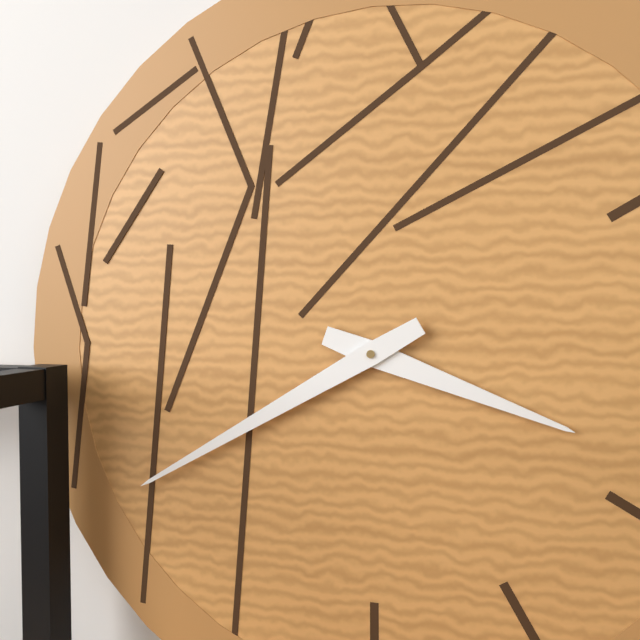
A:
**3:40**
